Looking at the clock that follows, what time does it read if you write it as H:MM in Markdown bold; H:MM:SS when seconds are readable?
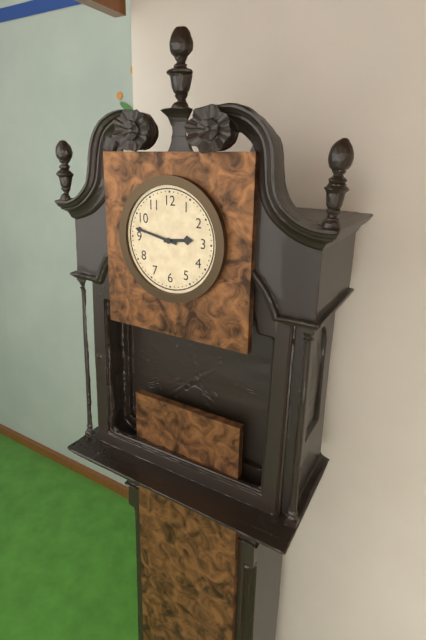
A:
**2:47**
